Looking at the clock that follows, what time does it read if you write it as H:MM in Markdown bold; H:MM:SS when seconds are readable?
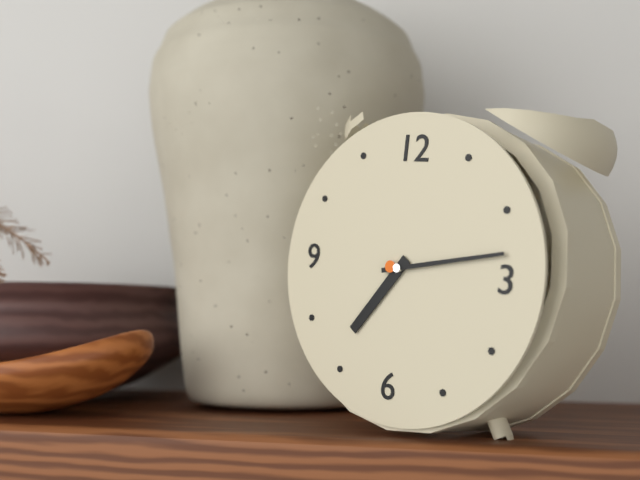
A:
**7:13**
